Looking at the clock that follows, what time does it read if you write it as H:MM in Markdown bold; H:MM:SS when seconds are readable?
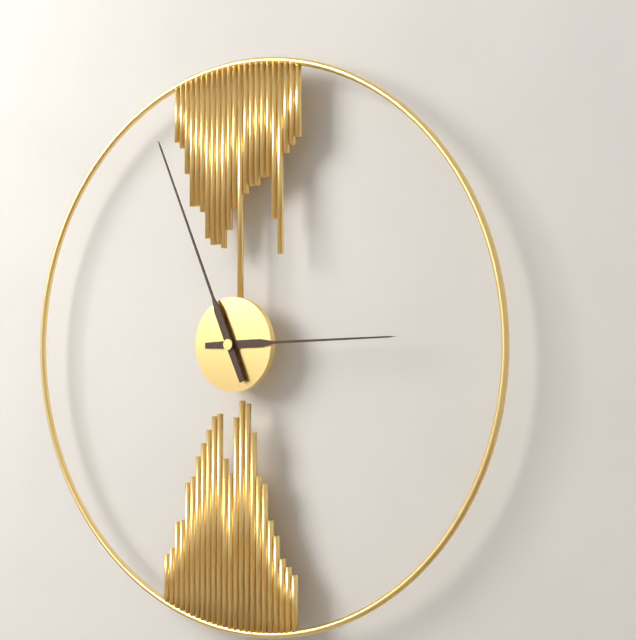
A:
**2:56**
